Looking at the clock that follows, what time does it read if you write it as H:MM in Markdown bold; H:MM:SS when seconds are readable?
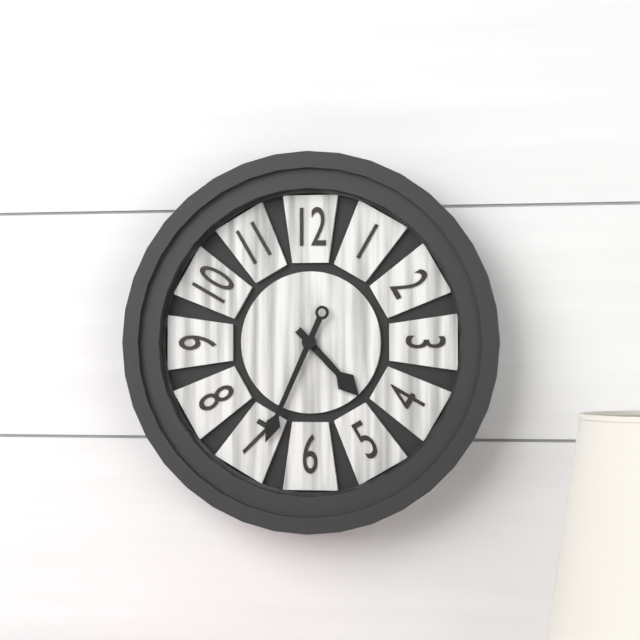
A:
**4:34**
